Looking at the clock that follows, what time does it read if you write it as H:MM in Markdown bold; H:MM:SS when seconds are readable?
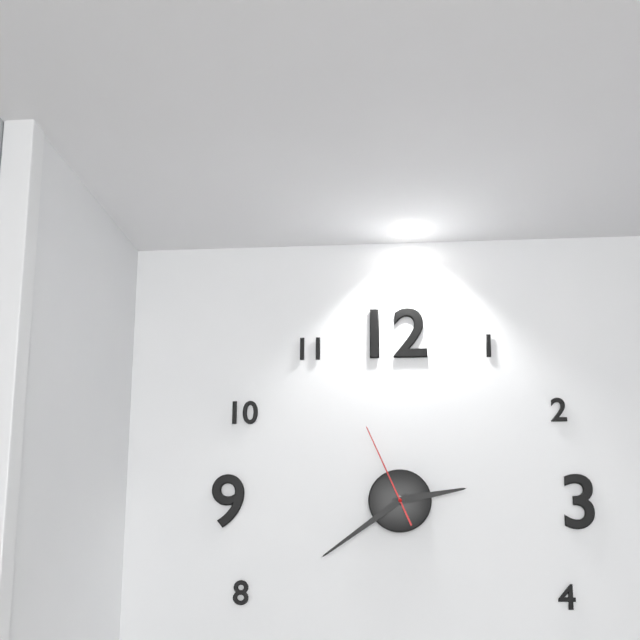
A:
**2:39:56**
